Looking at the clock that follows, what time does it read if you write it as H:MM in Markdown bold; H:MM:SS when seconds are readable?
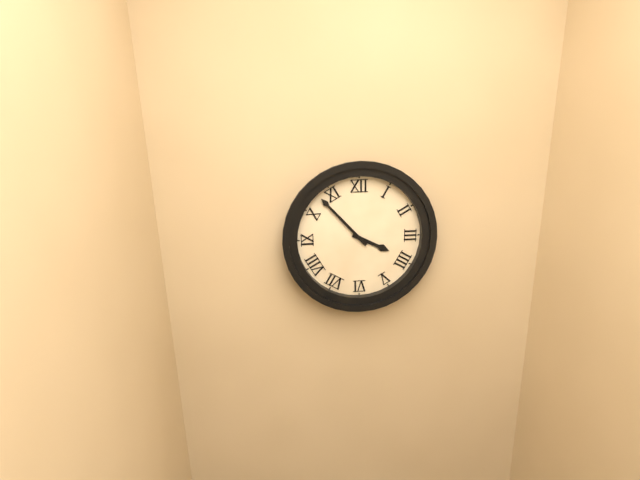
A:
**3:53**
